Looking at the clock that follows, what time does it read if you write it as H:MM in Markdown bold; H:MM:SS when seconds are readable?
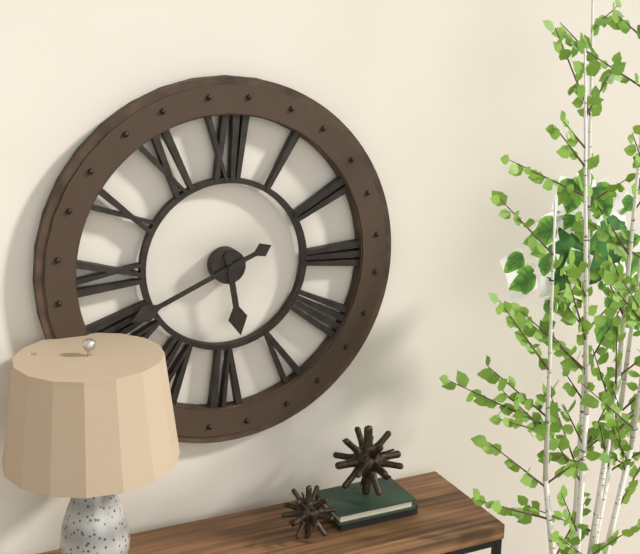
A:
**5:41**
